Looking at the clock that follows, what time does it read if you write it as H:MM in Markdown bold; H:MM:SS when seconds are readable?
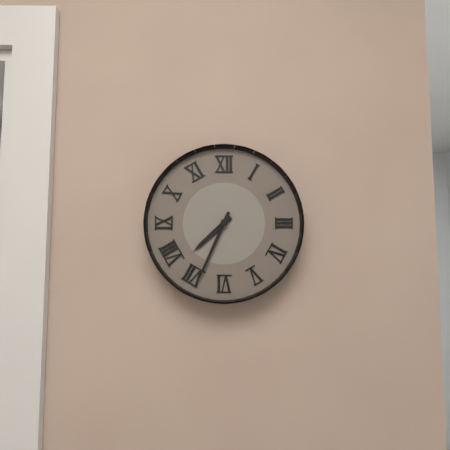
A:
**7:34**
